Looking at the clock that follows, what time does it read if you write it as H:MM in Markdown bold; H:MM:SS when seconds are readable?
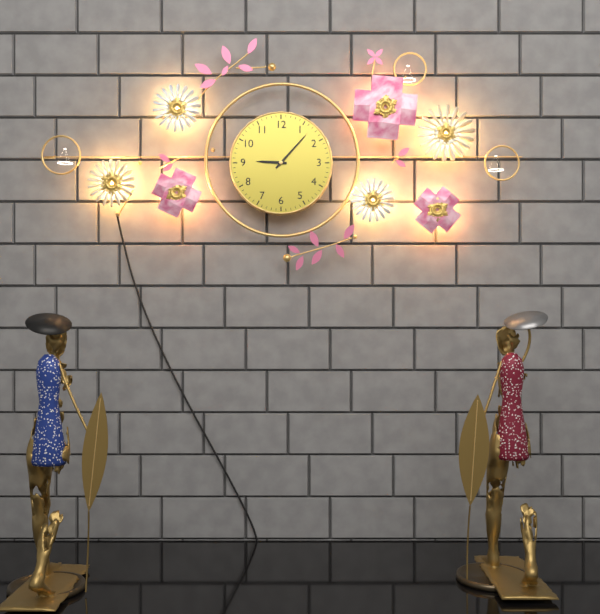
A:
**9:07**
